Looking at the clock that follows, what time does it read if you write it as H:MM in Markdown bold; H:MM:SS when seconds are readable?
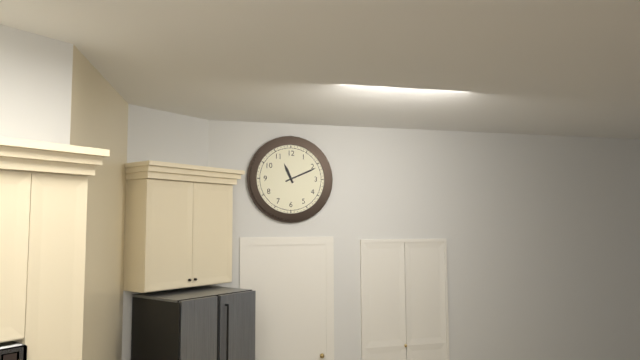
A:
**11:11**
